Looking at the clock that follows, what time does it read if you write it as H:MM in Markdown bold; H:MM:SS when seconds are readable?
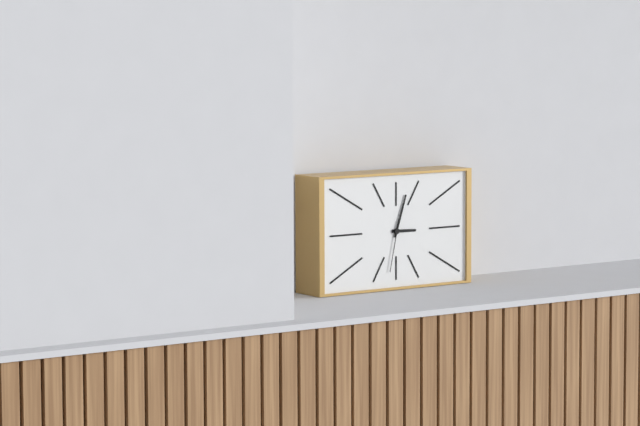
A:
**3:03:32**
